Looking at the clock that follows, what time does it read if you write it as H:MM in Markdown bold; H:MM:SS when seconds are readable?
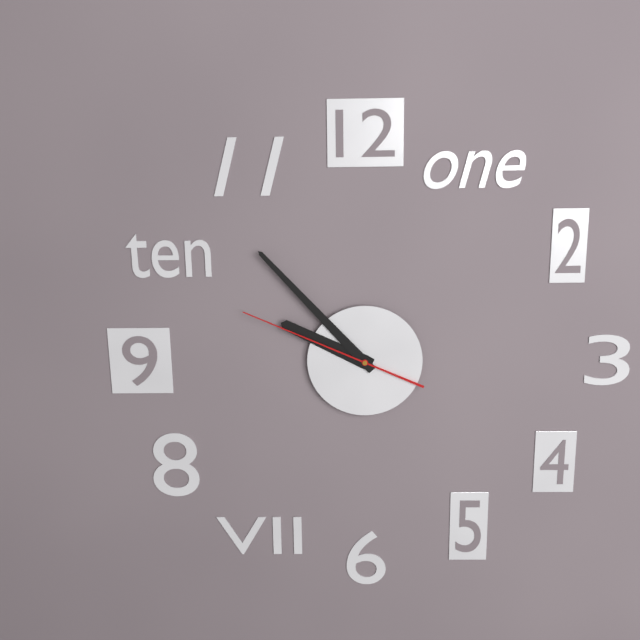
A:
**9:53:49**
